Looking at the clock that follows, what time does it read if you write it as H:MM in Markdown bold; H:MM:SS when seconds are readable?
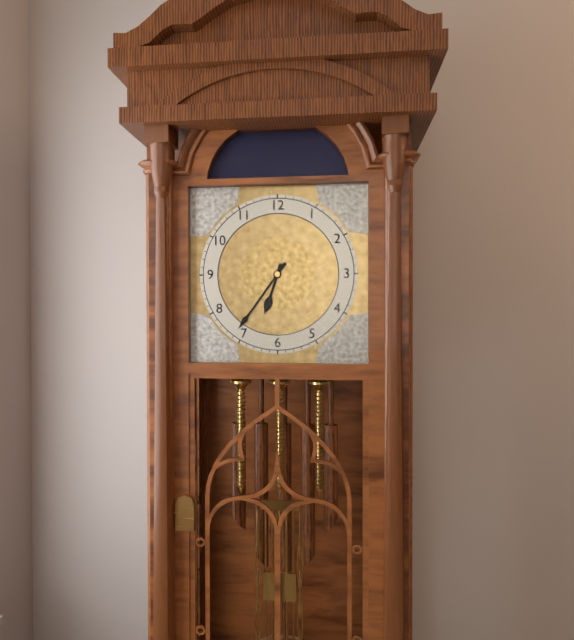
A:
**6:36**
